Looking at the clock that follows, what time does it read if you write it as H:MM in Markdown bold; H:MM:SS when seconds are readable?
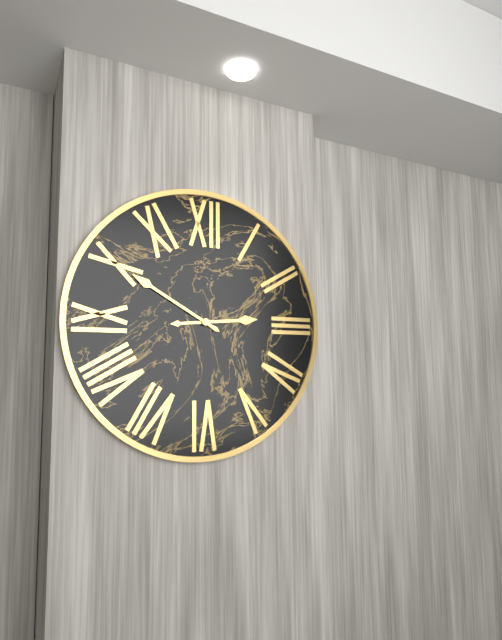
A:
**2:50**
